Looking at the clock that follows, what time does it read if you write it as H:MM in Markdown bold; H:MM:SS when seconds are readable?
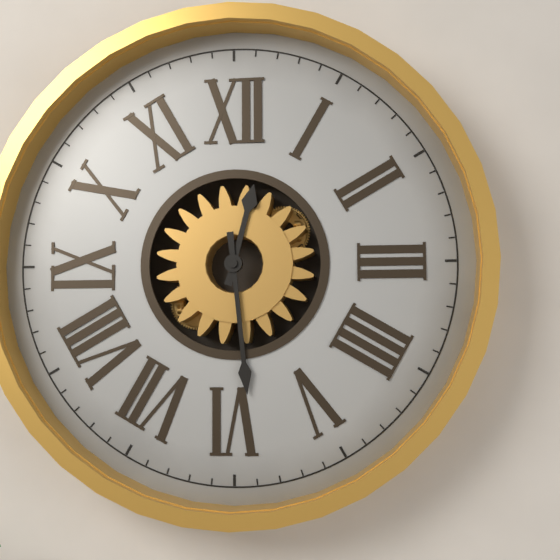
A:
**12:29**
